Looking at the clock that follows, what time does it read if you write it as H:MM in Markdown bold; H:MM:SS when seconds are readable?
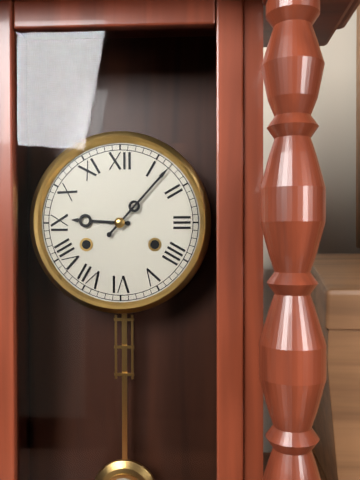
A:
**9:07**
